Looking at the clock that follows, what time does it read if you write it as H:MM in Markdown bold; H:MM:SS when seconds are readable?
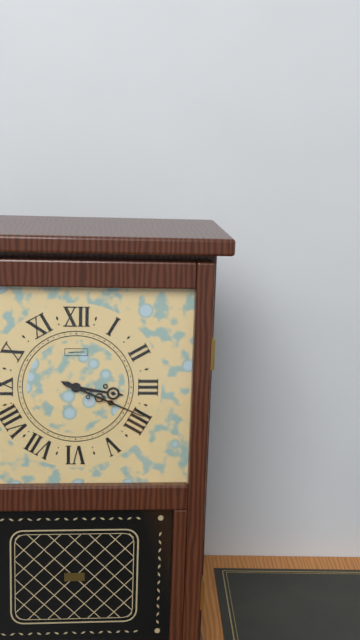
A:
**3:19**
